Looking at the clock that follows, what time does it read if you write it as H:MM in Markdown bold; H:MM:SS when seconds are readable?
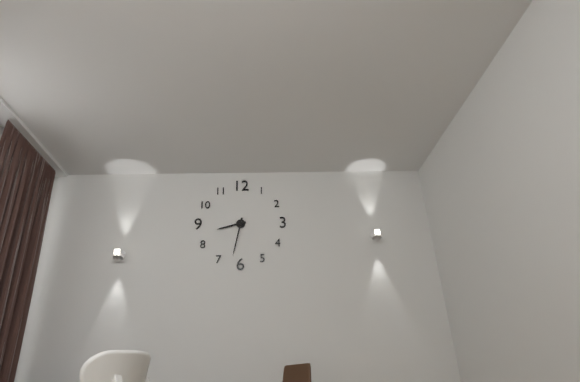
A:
**8:32**
